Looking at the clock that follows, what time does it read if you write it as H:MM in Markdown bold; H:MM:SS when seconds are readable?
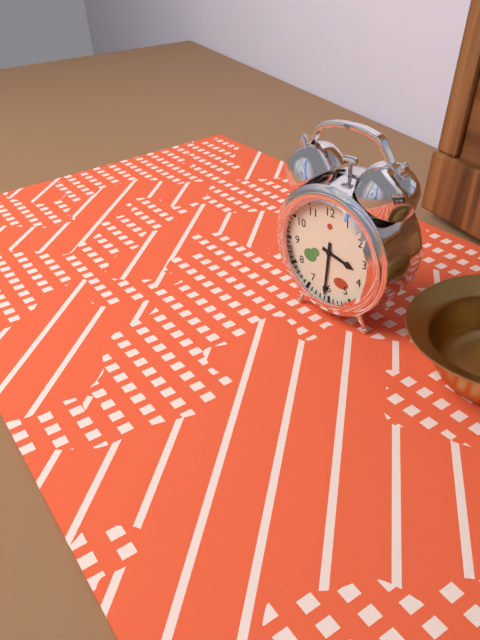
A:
**3:31**
